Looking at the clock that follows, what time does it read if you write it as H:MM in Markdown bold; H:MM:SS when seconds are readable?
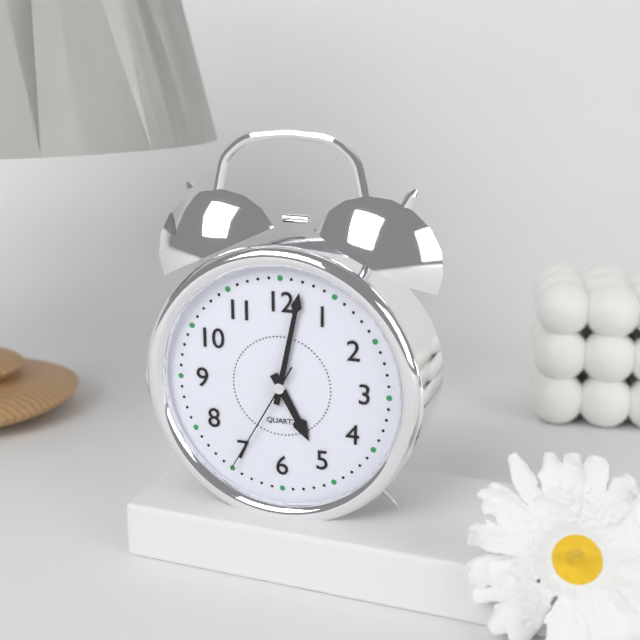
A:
**5:02:35**
